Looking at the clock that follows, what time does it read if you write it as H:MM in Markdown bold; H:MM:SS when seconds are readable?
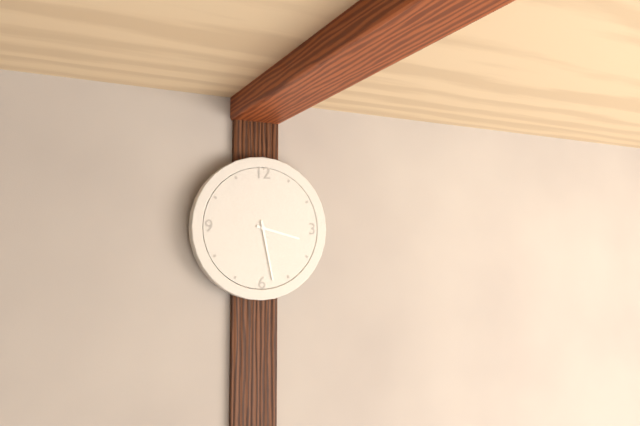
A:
**3:28**
